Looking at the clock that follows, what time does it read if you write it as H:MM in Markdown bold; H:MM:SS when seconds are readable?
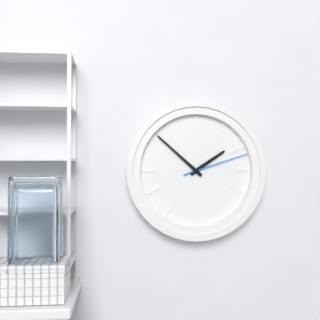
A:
**1:52:12**
